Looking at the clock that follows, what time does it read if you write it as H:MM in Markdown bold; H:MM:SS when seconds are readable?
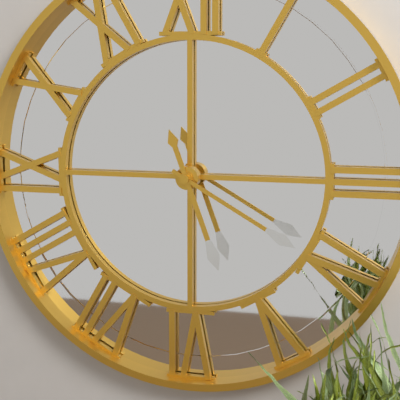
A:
**5:20**
